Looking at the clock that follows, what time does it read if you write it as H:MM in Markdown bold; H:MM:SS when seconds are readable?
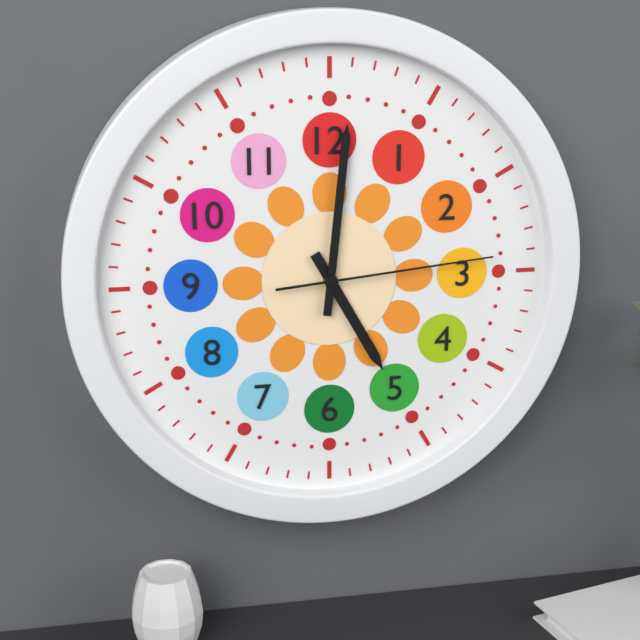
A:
**5:01:14**
